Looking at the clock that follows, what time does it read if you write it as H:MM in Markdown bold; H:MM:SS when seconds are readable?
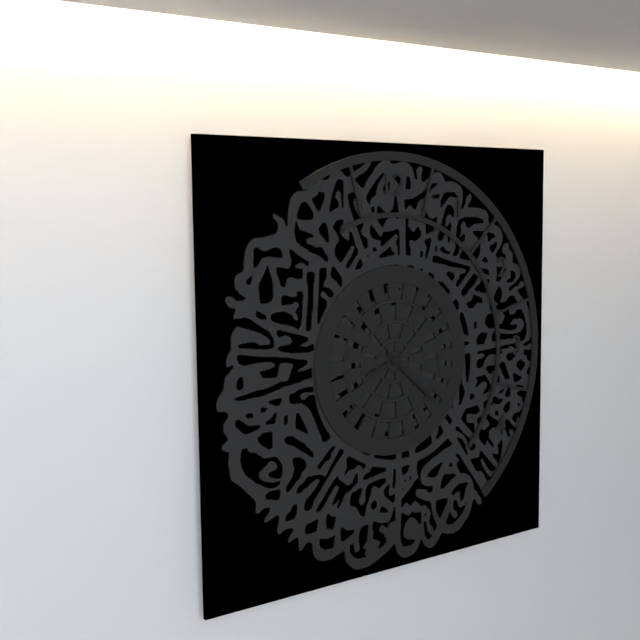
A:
**8:22**
